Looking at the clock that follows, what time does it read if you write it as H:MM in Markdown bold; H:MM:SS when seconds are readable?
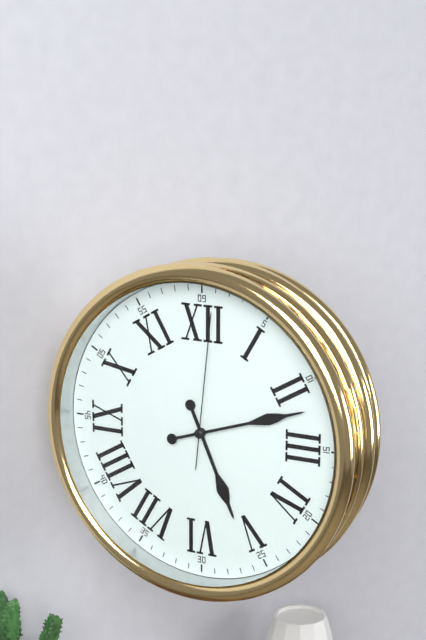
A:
**5:12:01**
